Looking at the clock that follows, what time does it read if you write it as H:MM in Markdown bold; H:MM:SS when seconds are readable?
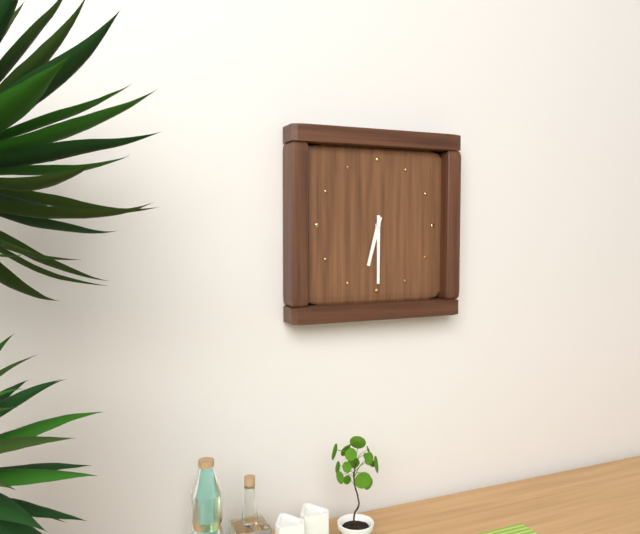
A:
**6:30**
